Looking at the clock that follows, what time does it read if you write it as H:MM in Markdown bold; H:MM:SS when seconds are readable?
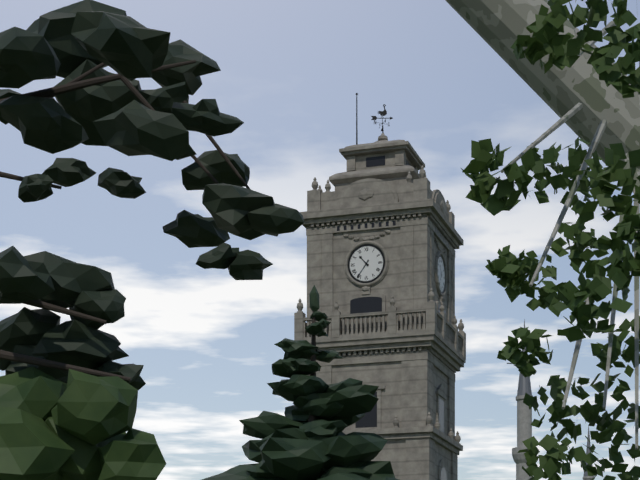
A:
**10:36**
